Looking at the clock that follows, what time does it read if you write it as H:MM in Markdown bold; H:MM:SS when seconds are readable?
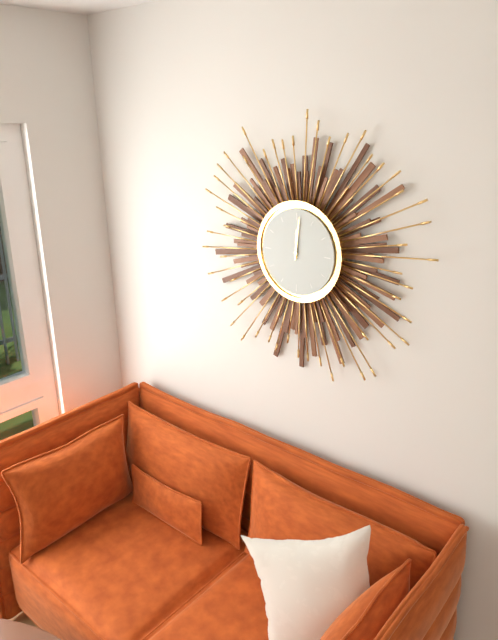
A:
**12:01**
